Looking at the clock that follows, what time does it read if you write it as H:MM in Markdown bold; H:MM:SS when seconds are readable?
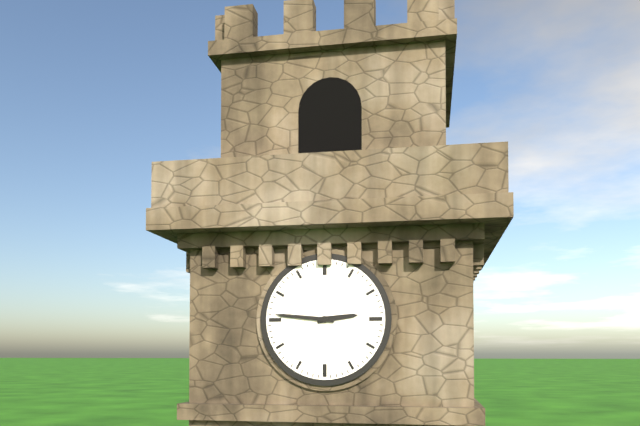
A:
**2:46**
